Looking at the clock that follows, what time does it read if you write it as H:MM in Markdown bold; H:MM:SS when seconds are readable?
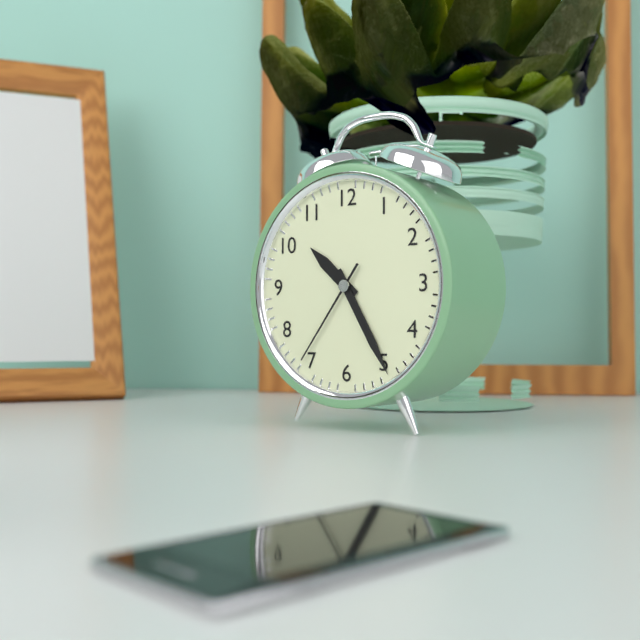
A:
**10:25:36**
